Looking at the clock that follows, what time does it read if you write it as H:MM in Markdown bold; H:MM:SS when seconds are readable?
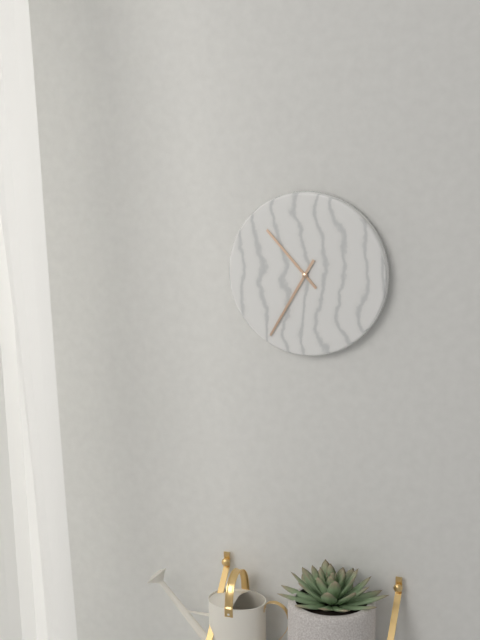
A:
**10:35**
